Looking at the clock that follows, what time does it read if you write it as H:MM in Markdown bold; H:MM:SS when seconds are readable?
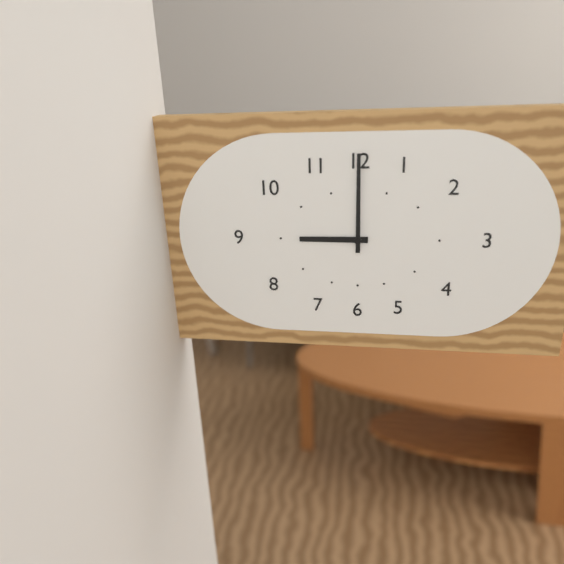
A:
**9:00**
